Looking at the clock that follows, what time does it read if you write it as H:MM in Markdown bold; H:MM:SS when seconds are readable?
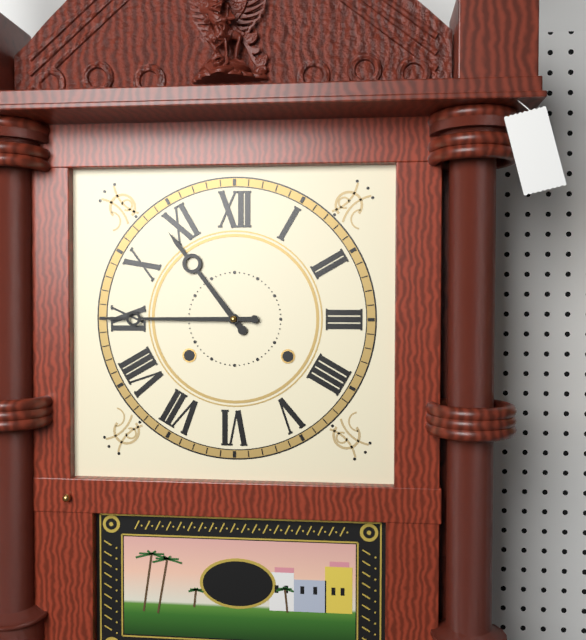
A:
**10:45**
